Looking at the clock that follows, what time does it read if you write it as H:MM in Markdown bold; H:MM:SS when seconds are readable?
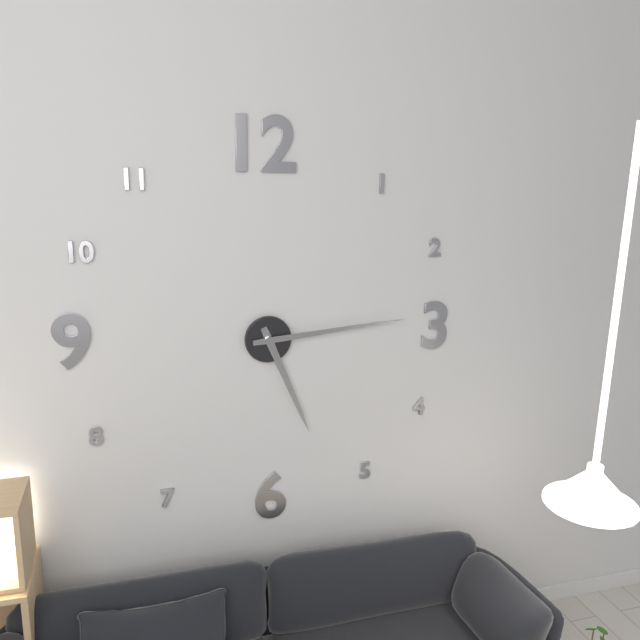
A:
**5:14**
